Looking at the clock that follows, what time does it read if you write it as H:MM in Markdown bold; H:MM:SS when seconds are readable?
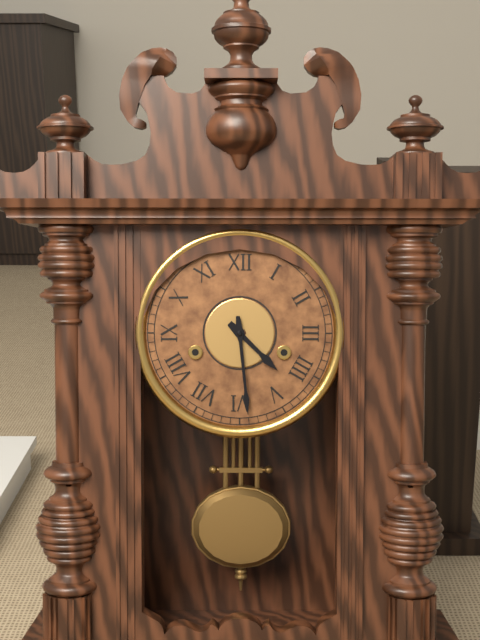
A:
**4:29**
